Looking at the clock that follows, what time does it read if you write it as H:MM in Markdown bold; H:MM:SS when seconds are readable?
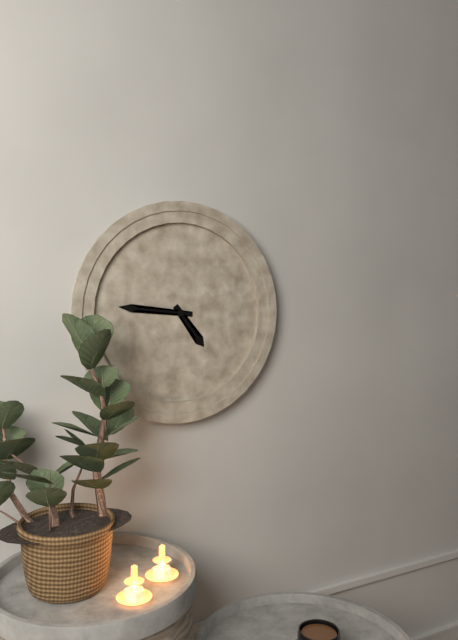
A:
**4:46**
